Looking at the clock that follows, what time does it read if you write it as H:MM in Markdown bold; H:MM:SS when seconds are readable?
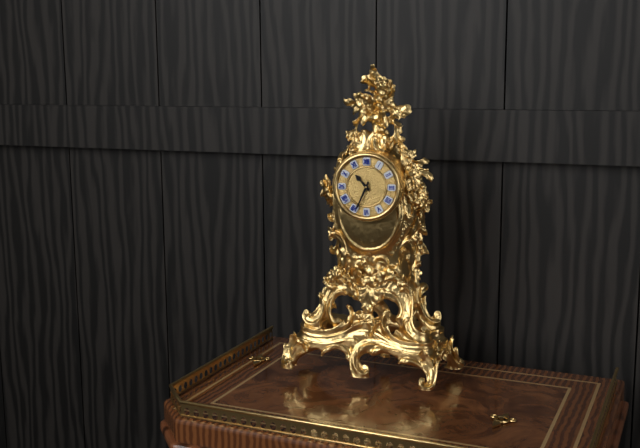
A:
**10:34**
